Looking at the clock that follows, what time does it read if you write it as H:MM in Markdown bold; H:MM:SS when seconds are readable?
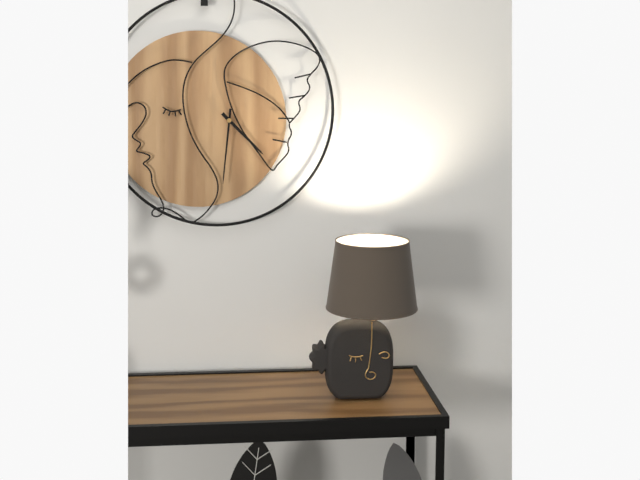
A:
**4:31**
